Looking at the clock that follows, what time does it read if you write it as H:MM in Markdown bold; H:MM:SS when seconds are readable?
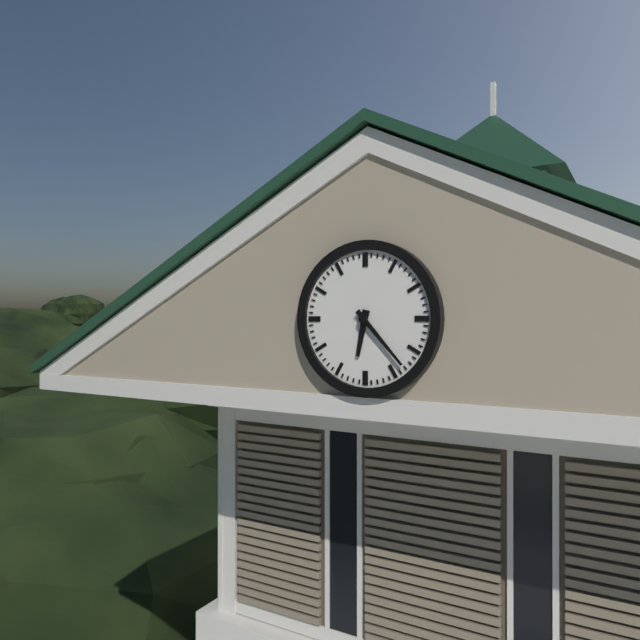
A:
**6:23**
